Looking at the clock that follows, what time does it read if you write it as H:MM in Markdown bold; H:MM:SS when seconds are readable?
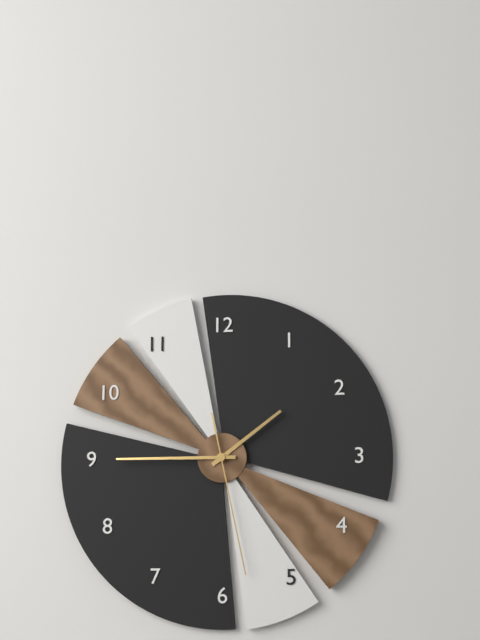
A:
**1:45:28**
